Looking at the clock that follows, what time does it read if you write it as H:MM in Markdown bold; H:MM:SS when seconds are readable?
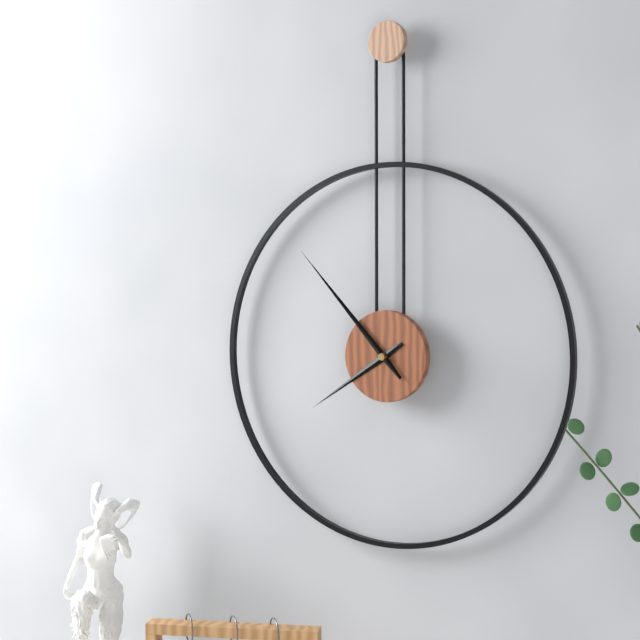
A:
**7:53**
